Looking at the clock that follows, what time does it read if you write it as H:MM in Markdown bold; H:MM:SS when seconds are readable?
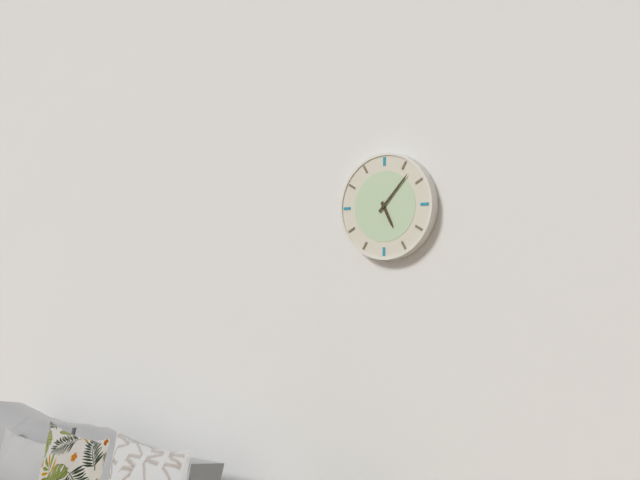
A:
**5:07**
